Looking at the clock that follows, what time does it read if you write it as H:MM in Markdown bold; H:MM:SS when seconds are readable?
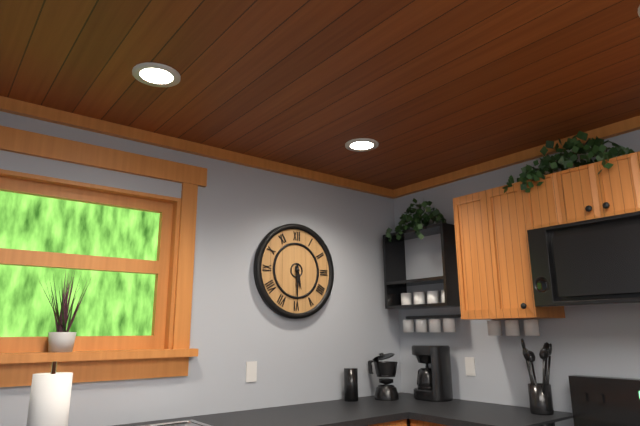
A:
**5:30**
